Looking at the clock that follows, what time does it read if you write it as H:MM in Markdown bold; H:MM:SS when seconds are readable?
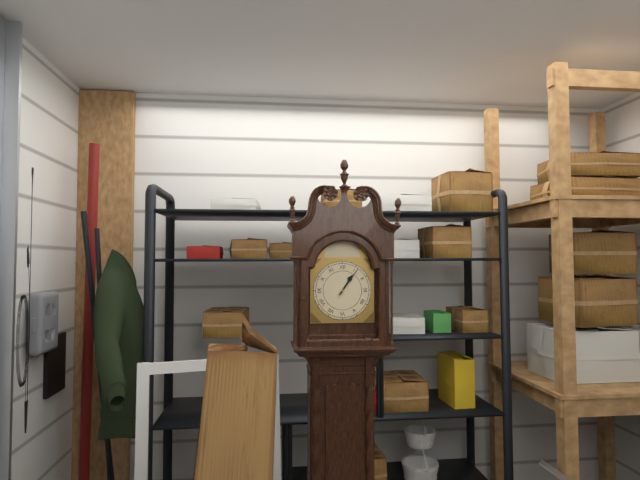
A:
**1:06**
